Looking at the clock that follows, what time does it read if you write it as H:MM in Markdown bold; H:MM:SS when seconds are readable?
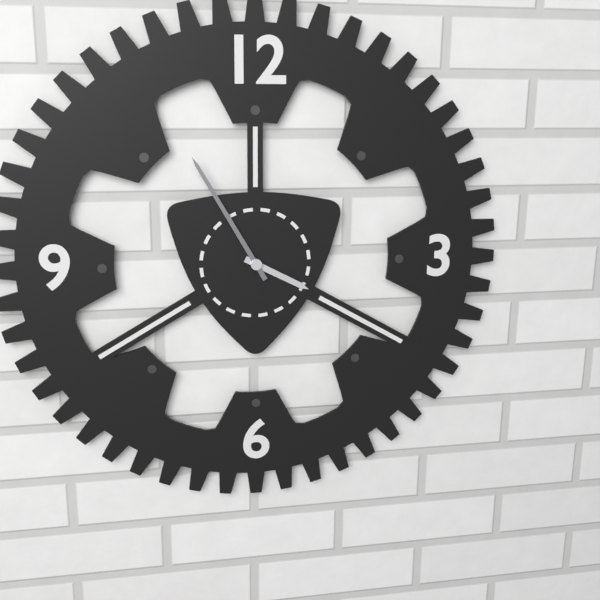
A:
**3:55**
